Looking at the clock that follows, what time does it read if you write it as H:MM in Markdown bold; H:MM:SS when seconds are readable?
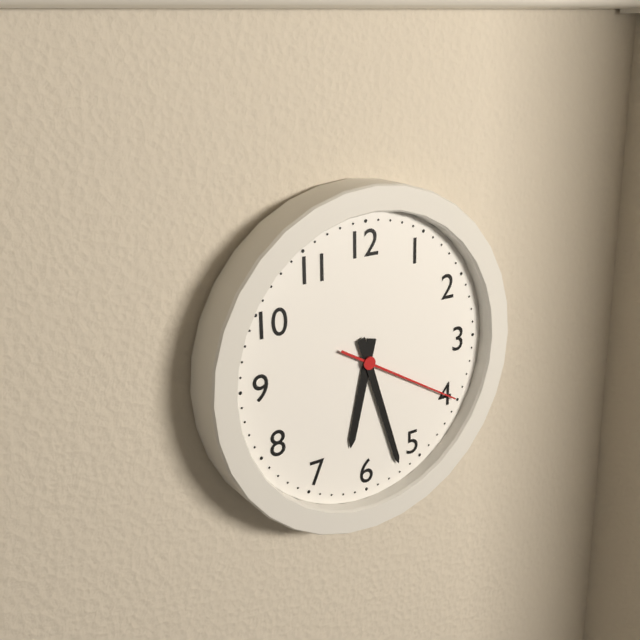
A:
**6:27:20**
